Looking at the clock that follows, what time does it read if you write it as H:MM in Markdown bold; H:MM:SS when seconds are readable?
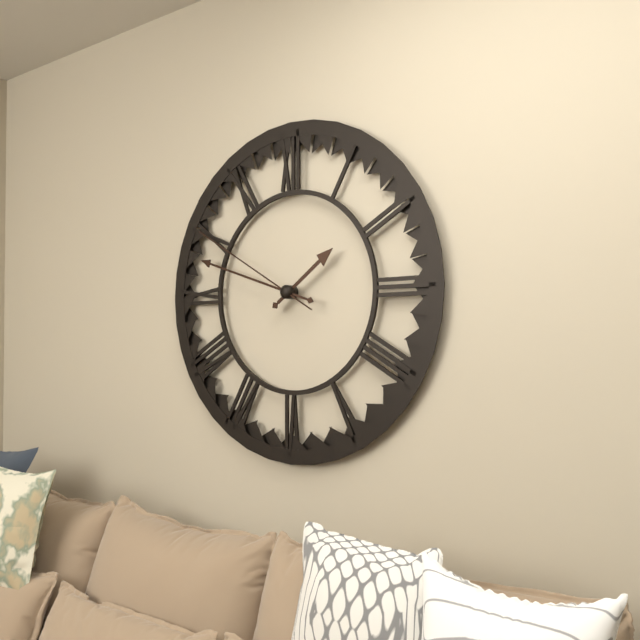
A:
**1:48:50**
